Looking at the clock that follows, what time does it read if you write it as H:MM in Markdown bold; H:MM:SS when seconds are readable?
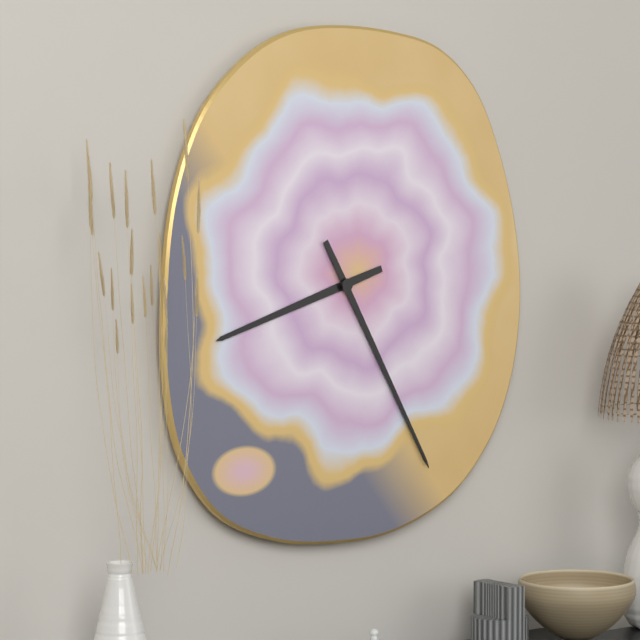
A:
**8:25**
